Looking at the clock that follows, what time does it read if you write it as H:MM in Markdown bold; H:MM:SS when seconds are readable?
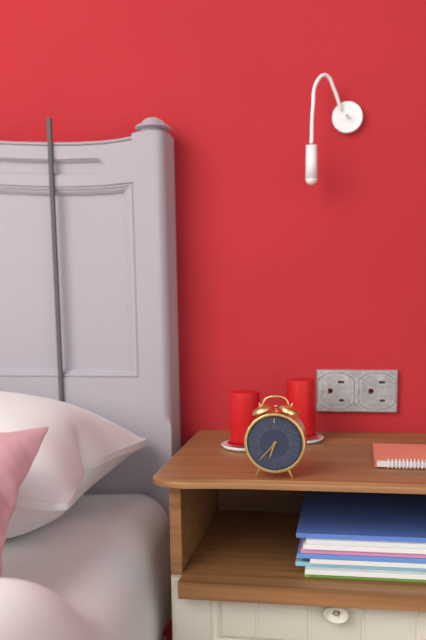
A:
**6:37**
